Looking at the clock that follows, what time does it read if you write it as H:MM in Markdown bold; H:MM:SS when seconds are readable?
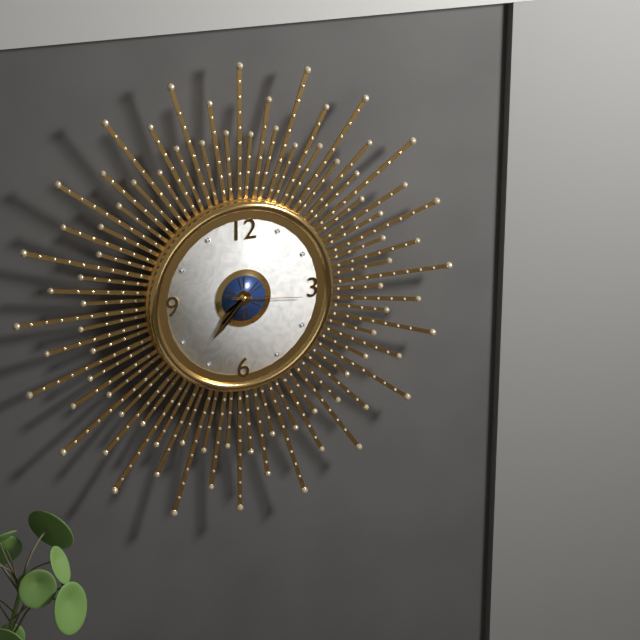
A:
**7:37:16**
